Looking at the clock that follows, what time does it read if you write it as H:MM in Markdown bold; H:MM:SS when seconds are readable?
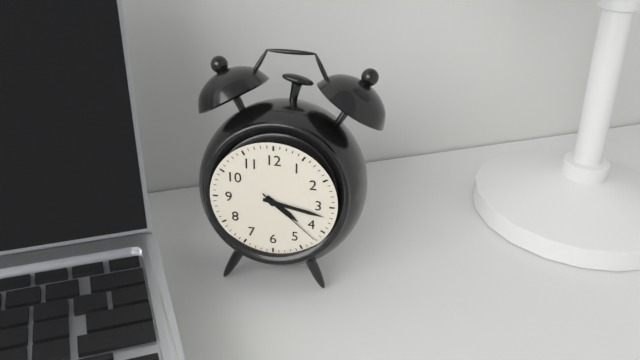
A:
**4:17:22**
